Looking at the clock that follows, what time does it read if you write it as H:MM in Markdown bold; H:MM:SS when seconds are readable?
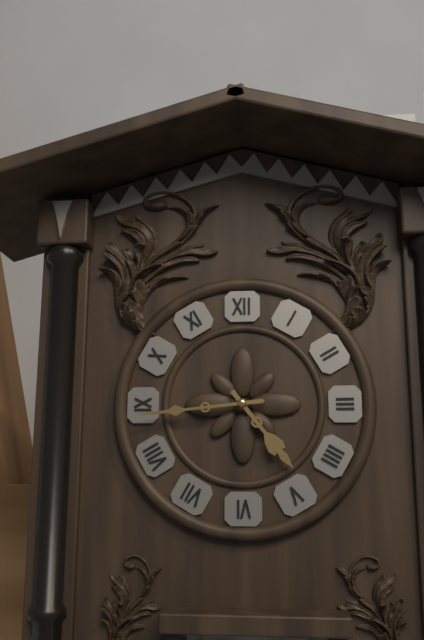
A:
**4:44**
